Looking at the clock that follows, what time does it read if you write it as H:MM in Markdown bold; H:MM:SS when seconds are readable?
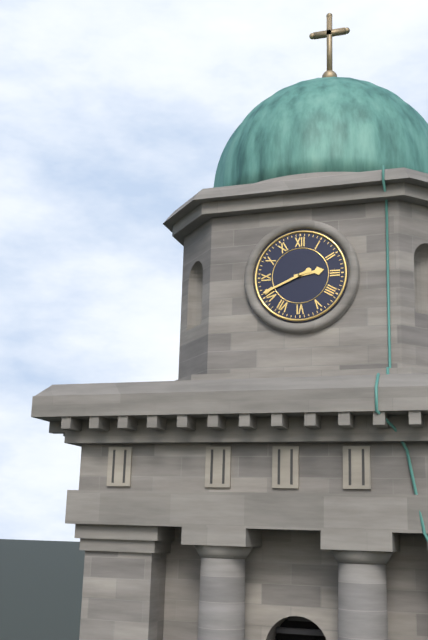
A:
**2:41**
